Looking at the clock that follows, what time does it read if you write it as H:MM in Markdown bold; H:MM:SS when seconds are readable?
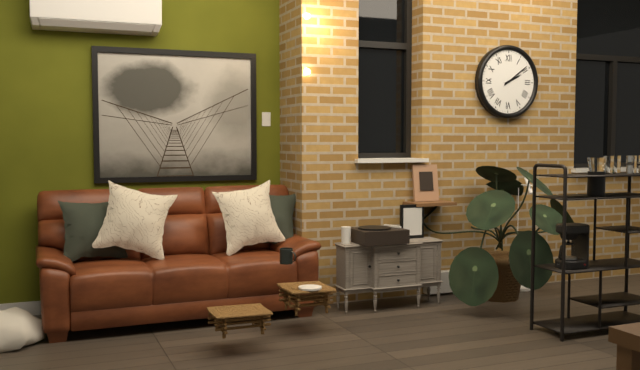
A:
**2:09**
